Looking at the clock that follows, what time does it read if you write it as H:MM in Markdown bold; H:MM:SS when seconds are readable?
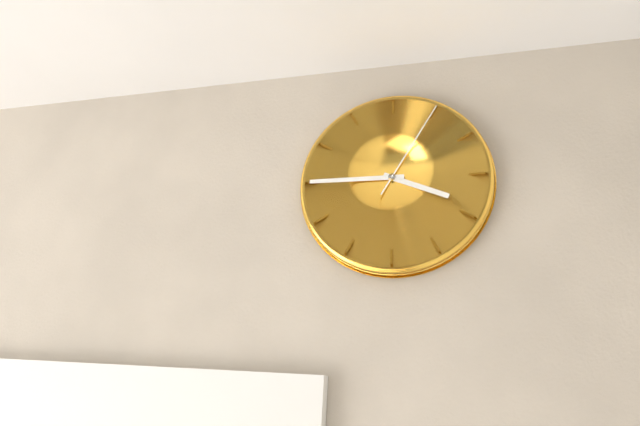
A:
**3:45:05**
